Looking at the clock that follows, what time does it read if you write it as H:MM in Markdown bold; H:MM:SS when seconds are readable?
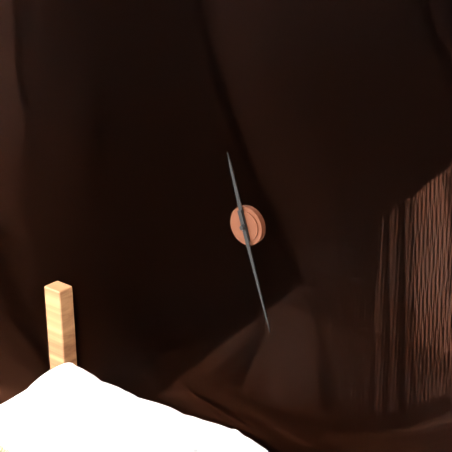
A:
**11:27**
